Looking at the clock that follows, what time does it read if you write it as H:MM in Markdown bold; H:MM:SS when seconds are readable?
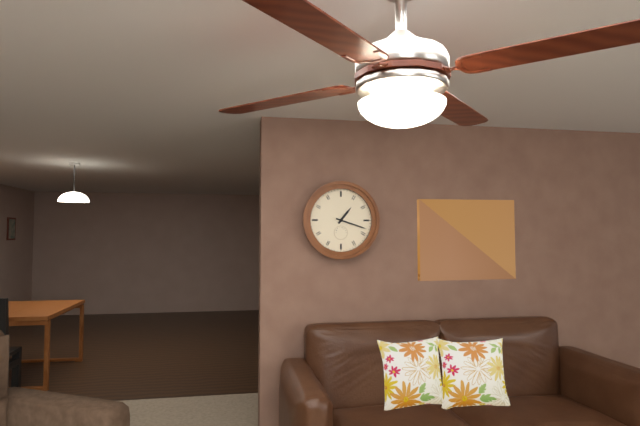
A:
**1:18**
